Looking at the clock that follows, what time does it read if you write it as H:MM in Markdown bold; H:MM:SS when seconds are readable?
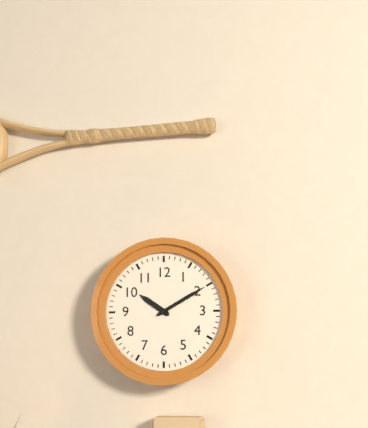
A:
**10:10**
